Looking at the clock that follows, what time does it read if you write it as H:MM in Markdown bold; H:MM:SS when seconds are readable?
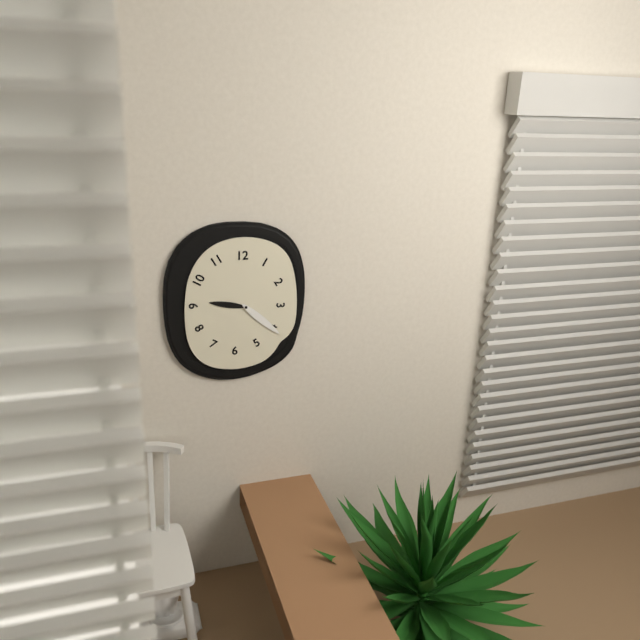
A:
**9:22**
